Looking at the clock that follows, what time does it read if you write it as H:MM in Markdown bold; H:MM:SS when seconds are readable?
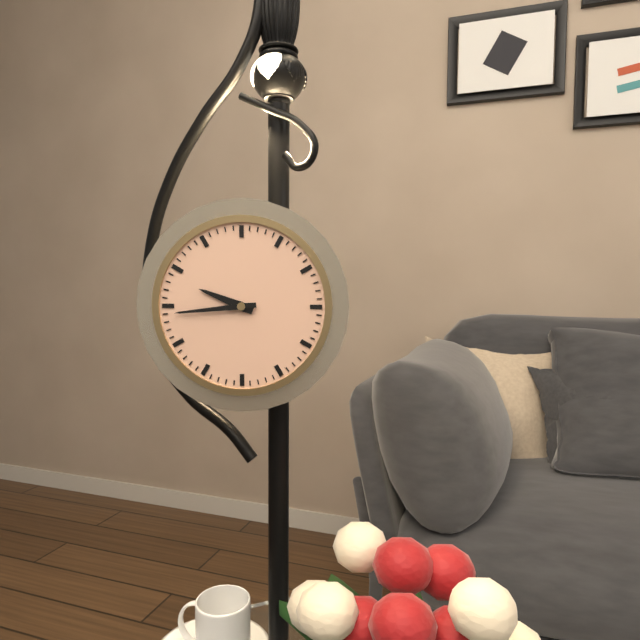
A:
**9:44**
